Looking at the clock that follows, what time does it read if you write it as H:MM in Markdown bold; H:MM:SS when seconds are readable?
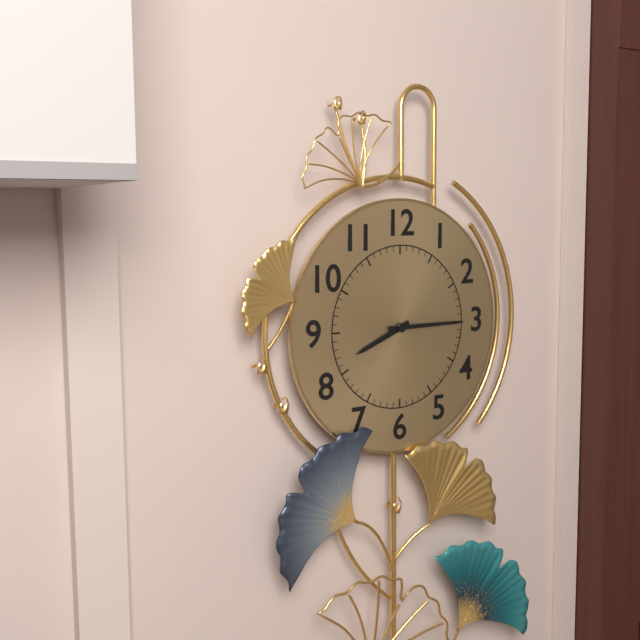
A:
**8:15**
